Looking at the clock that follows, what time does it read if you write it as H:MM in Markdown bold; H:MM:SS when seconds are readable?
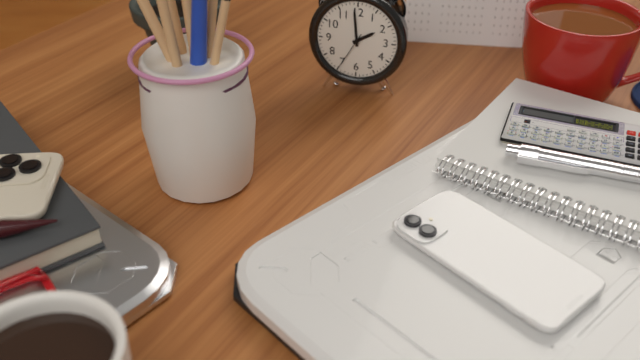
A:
**1:59**
